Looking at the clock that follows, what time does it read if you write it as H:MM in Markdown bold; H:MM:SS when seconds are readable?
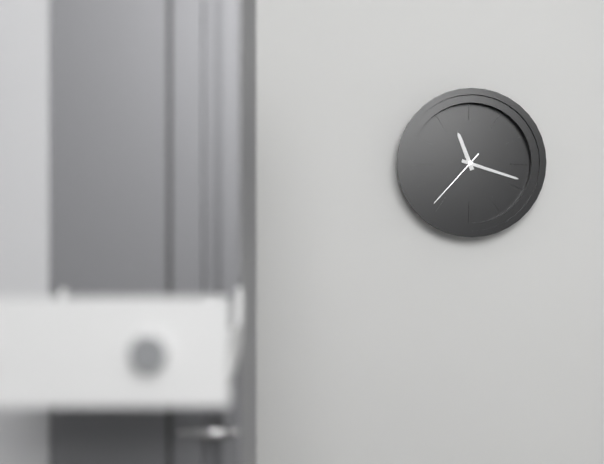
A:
**11:18:37**
